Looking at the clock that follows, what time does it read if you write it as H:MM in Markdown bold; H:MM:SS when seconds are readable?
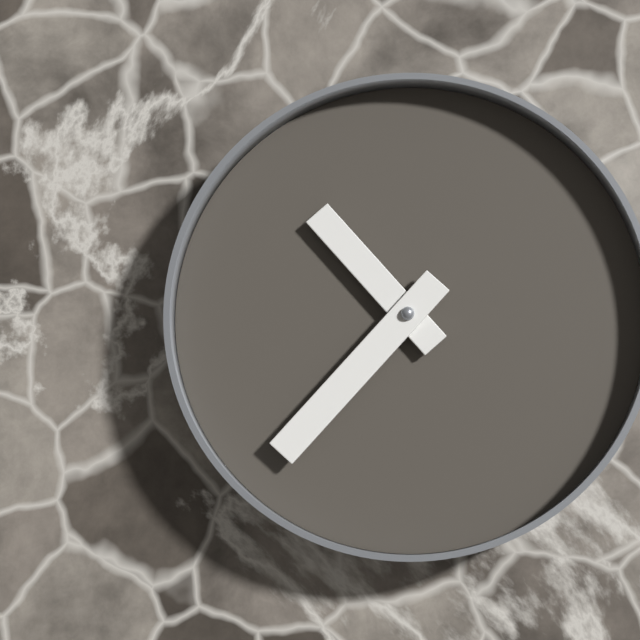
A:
**10:37**
